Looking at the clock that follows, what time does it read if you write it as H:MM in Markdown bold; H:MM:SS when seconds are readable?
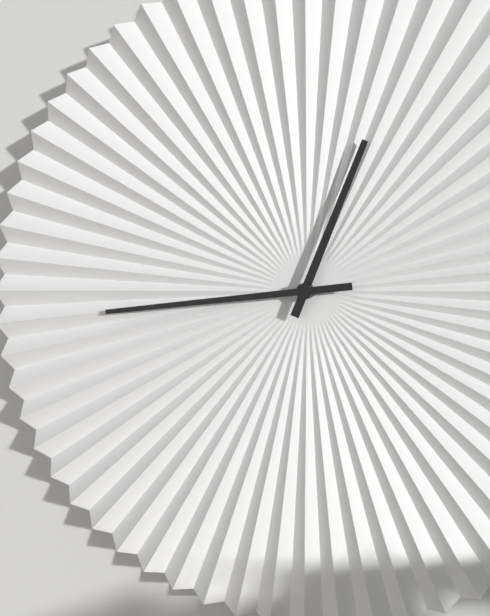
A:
**12:44**
